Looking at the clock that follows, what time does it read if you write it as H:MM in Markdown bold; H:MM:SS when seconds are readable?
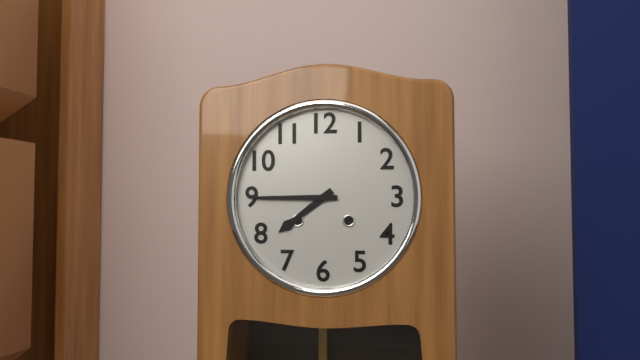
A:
**7:45**
